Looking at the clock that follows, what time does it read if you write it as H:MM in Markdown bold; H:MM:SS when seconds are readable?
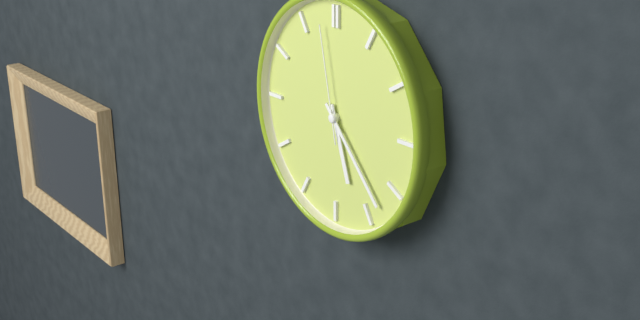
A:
**5:23:58**
